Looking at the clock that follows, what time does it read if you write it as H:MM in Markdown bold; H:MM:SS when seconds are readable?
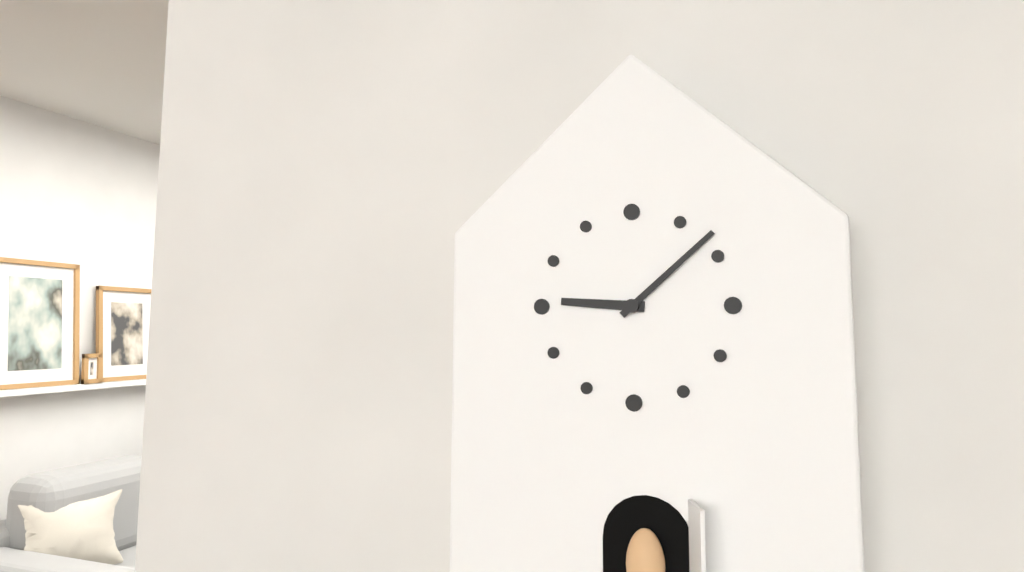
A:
**9:08**
